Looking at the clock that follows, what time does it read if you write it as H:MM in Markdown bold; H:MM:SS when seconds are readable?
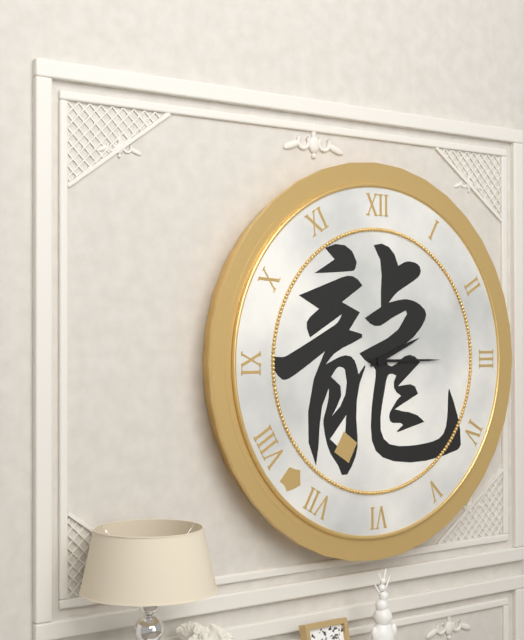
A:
**2:15**
